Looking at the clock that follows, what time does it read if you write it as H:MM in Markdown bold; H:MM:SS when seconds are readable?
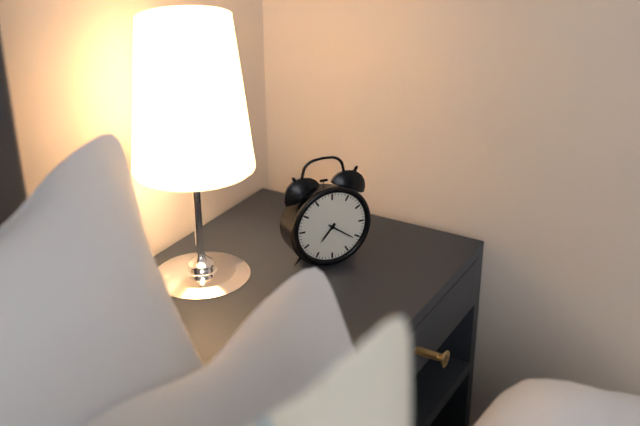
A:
**7:21**
